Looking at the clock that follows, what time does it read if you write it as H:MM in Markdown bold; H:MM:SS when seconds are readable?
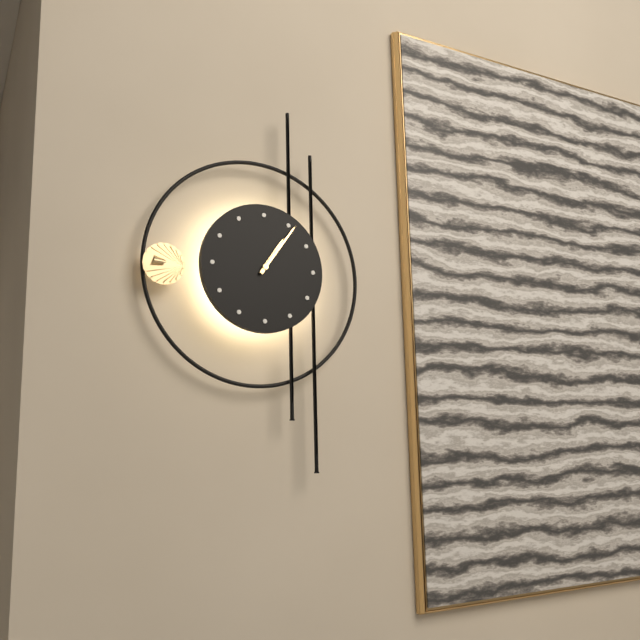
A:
**1:06**
